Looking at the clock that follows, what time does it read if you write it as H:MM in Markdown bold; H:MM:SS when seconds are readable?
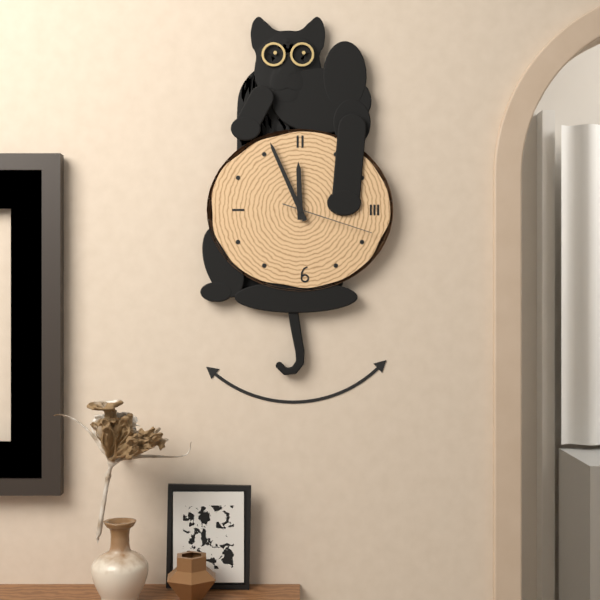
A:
**11:56:18**
